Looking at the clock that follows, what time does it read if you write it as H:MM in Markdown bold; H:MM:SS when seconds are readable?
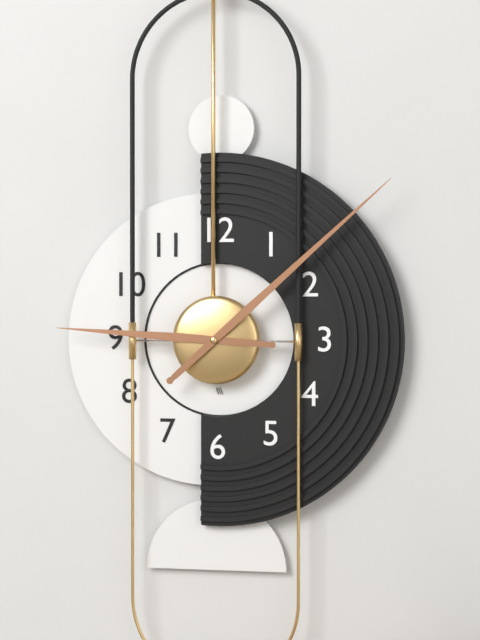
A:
**9:08**
